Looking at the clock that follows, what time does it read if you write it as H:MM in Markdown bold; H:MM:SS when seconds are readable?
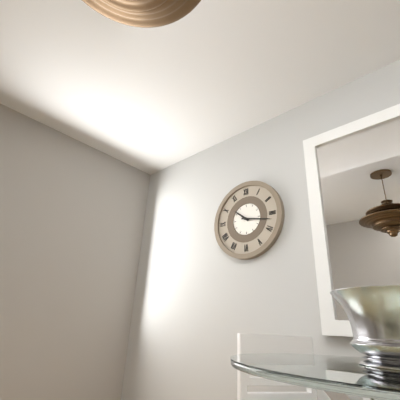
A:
**10:17**
